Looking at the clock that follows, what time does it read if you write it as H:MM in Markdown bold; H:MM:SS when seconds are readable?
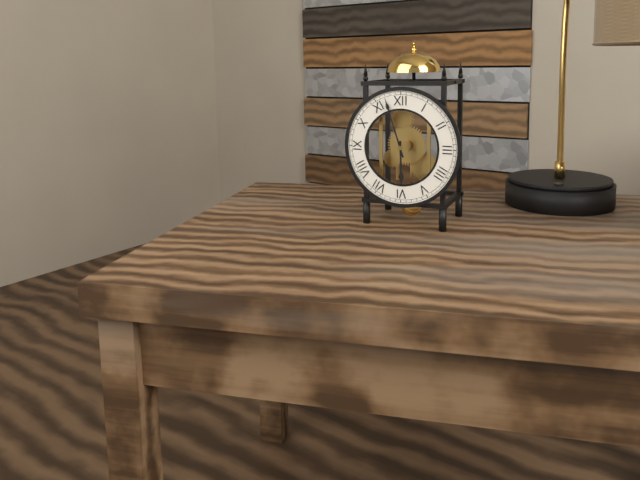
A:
**5:57**
